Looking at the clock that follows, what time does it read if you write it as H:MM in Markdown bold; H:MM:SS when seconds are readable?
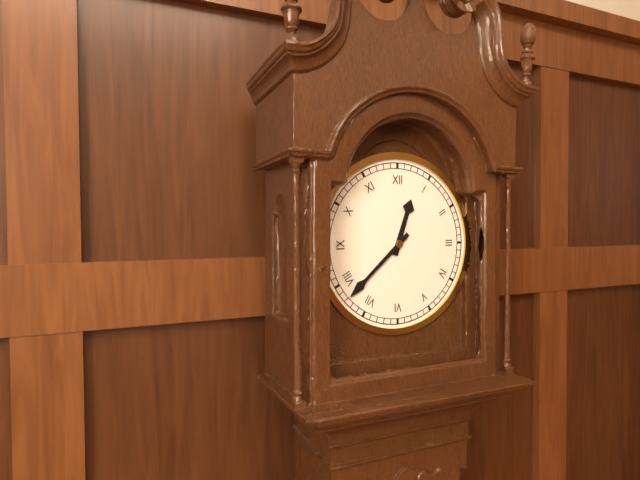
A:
**12:38**
